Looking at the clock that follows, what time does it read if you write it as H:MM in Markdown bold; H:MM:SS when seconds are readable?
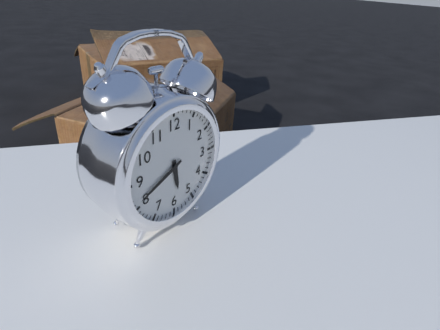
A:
**5:41**
